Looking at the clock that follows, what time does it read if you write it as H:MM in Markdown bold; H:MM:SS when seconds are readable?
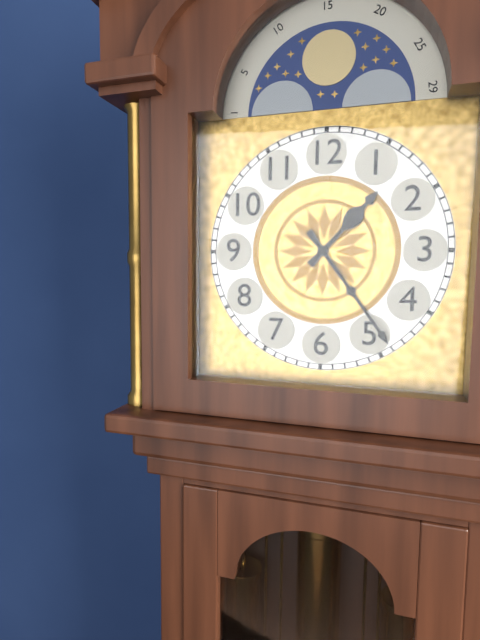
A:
**1:24**
